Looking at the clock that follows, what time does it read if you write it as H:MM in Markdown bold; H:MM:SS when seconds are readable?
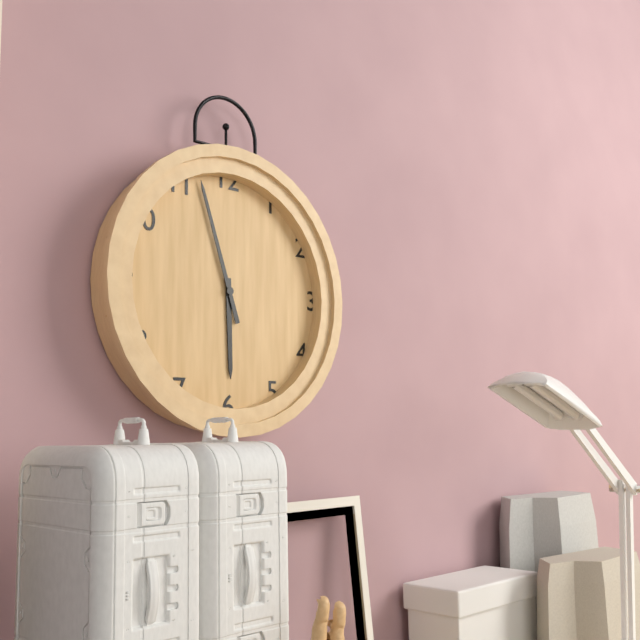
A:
**5:57**
